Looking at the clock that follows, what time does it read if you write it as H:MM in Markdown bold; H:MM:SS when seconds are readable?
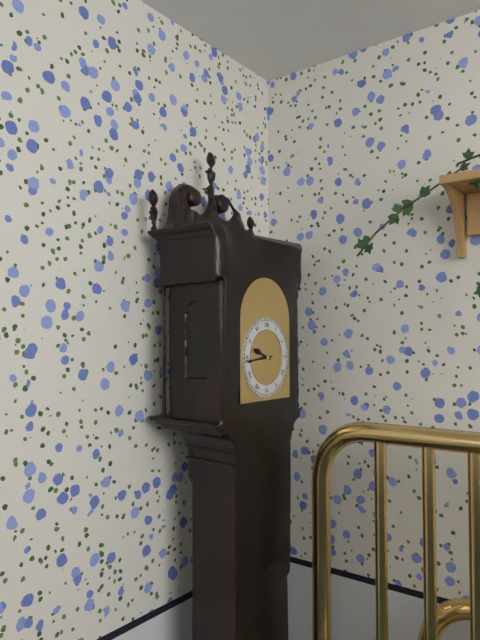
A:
**9:44**
